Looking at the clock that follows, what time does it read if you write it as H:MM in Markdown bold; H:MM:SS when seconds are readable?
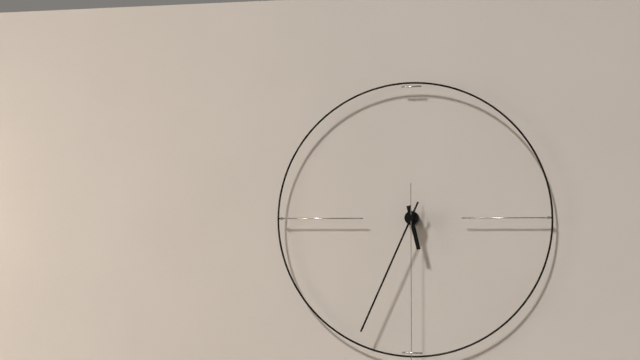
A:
**5:34**
